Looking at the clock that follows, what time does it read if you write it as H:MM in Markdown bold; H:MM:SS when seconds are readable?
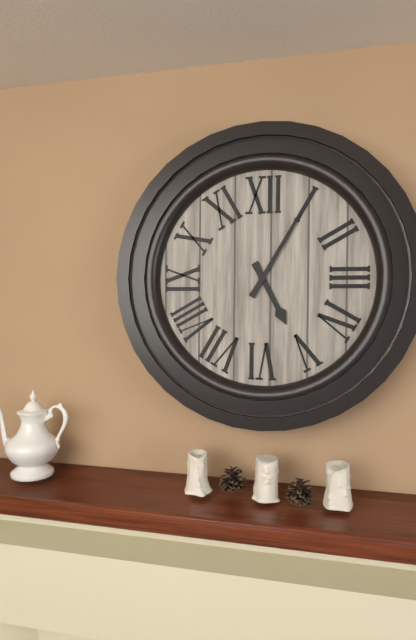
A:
**5:05**
